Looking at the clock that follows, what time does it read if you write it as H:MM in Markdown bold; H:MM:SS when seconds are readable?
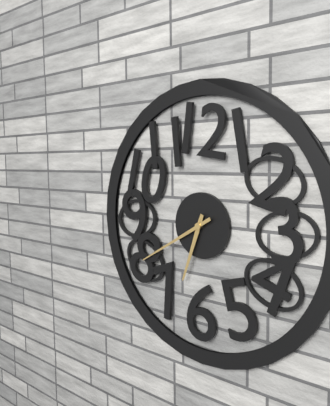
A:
**6:40**
